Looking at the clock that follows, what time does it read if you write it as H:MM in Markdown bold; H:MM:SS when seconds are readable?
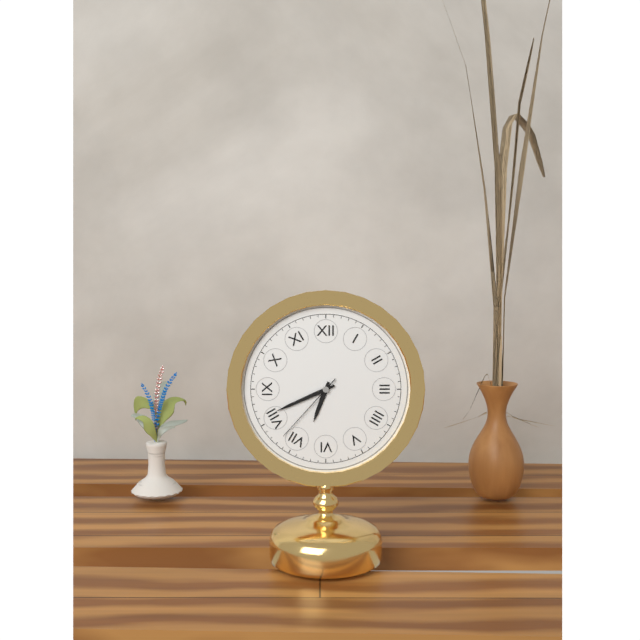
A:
**6:41:37**
